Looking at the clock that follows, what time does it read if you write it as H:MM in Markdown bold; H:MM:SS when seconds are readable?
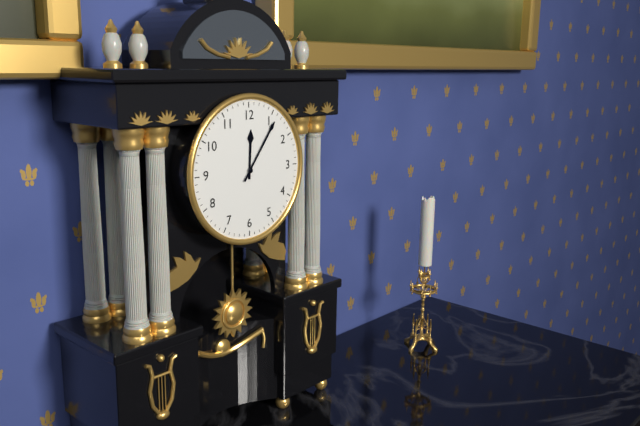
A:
**12:06**
